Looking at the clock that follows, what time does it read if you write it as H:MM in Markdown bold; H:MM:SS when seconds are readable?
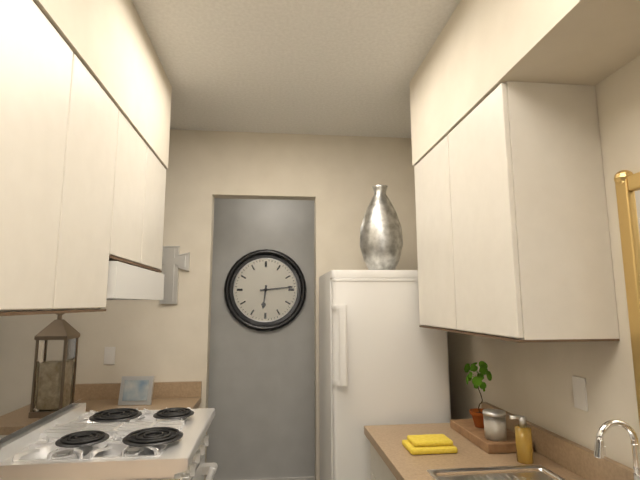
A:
**6:14**
